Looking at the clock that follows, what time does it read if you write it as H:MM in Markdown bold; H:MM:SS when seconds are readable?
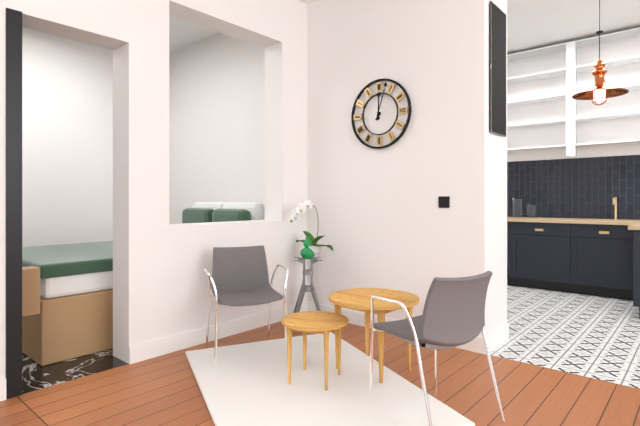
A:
**12:03**
